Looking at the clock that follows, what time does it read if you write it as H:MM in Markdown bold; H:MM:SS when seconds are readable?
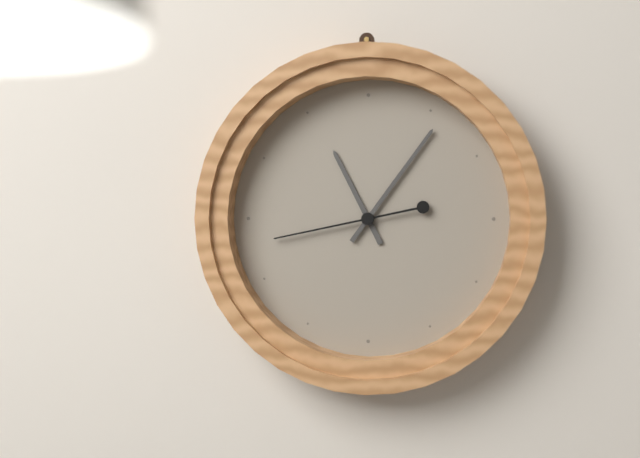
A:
**11:06:43**
